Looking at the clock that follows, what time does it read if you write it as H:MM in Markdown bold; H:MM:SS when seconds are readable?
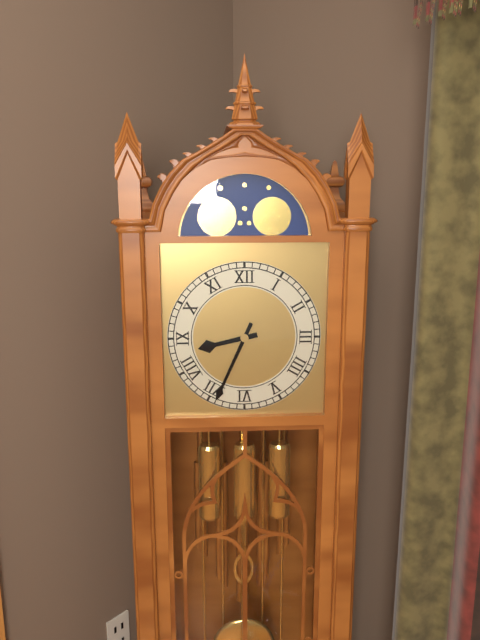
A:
**8:34**
